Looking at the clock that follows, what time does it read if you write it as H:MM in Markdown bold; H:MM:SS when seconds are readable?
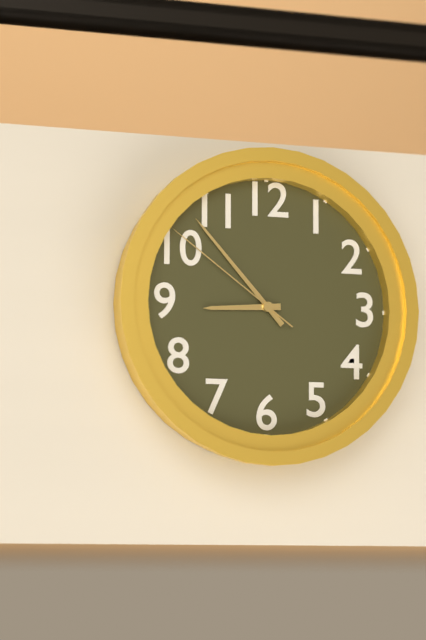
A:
**8:53:51**
